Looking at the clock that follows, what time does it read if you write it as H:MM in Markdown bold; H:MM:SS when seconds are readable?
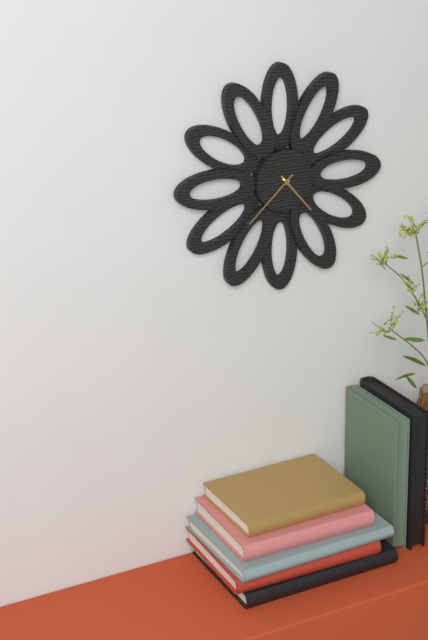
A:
**4:38**
